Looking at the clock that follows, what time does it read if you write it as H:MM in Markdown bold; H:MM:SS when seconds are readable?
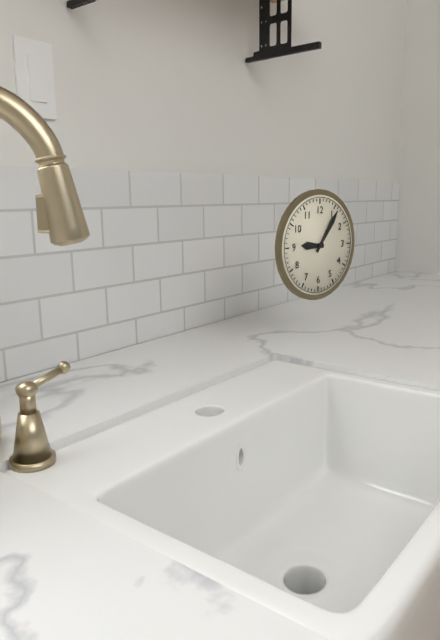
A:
**9:06**
